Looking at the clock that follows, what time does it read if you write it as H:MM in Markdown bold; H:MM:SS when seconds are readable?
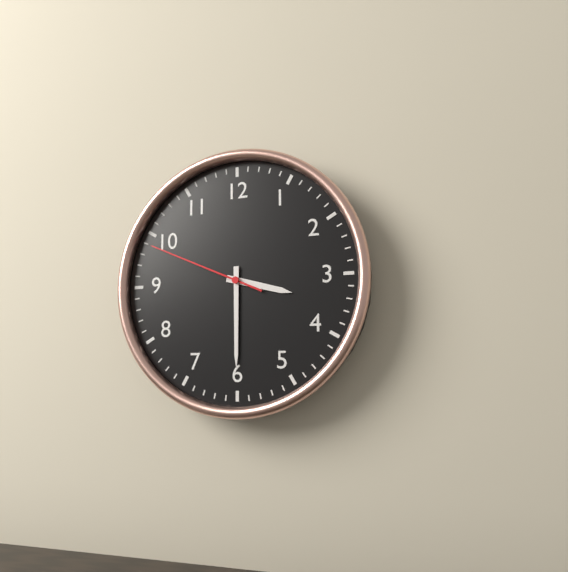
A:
**3:30:49**
